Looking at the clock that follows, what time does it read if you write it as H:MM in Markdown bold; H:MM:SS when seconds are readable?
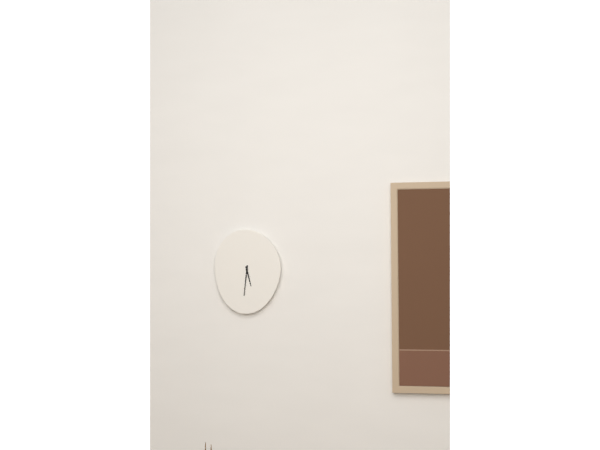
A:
**5:31**
